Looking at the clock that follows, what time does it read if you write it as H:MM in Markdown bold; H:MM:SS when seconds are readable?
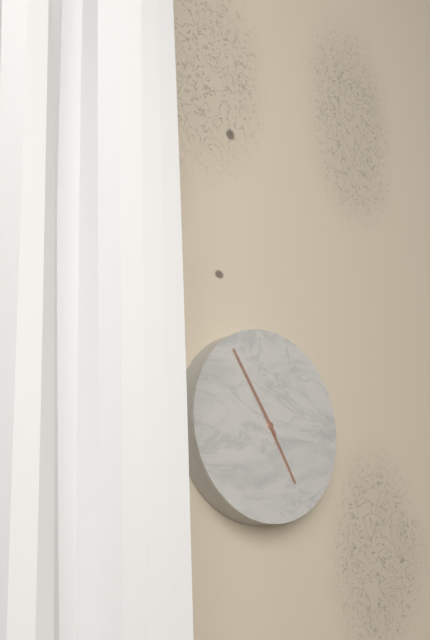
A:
**4:54**
